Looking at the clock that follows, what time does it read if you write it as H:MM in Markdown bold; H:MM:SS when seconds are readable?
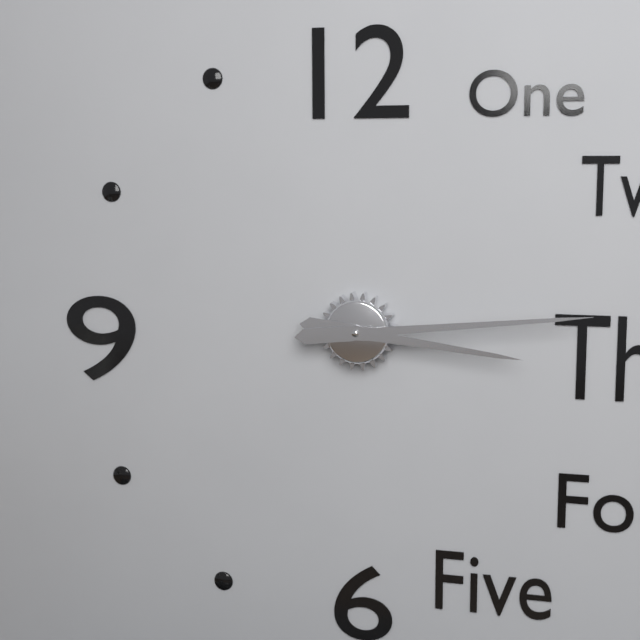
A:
**3:14**
